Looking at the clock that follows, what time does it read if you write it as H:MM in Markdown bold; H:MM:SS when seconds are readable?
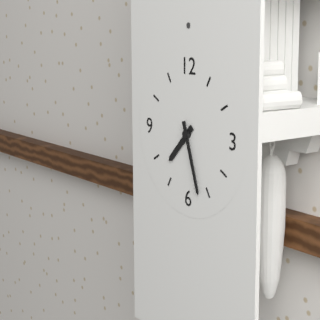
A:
**7:27**
